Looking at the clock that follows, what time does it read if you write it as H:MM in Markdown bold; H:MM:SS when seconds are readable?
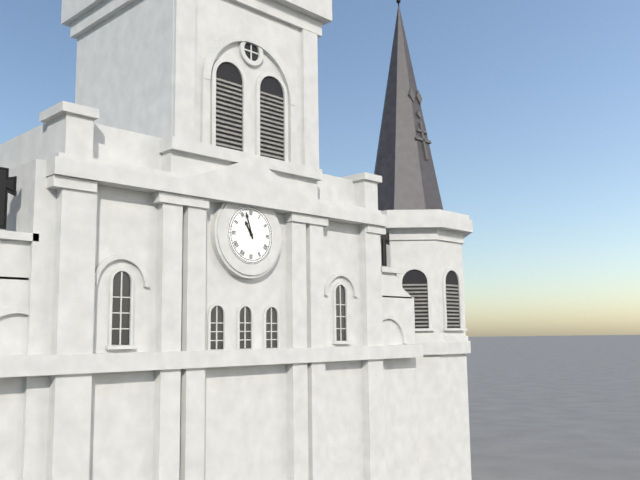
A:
**10:57**
